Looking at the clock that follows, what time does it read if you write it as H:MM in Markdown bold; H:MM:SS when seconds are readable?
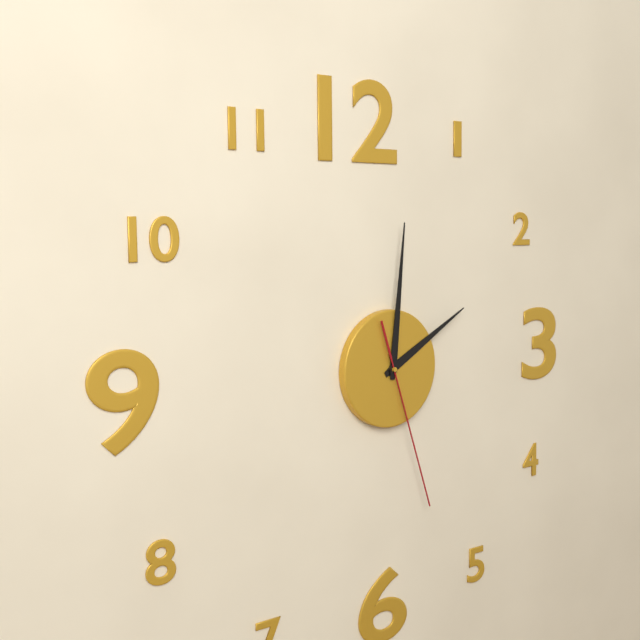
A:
**2:01:27**
